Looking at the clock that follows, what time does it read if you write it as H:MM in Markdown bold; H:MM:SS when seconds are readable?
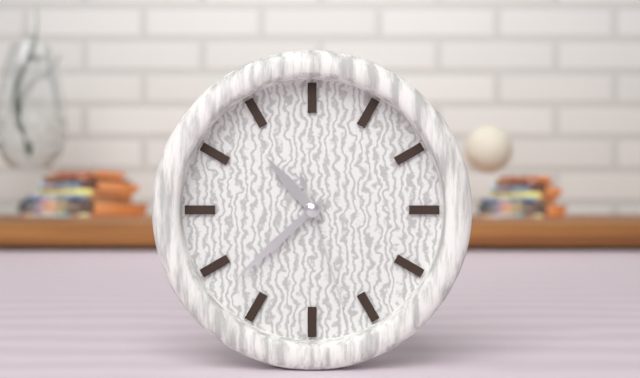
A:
**10:38:27**
